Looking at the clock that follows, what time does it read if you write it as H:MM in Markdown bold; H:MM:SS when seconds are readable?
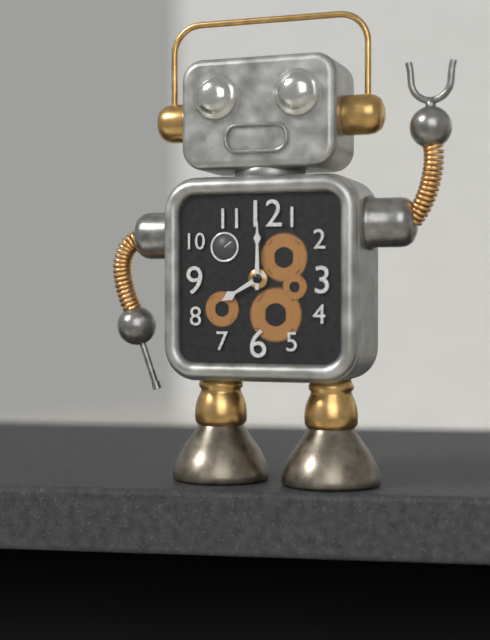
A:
**8:00**
